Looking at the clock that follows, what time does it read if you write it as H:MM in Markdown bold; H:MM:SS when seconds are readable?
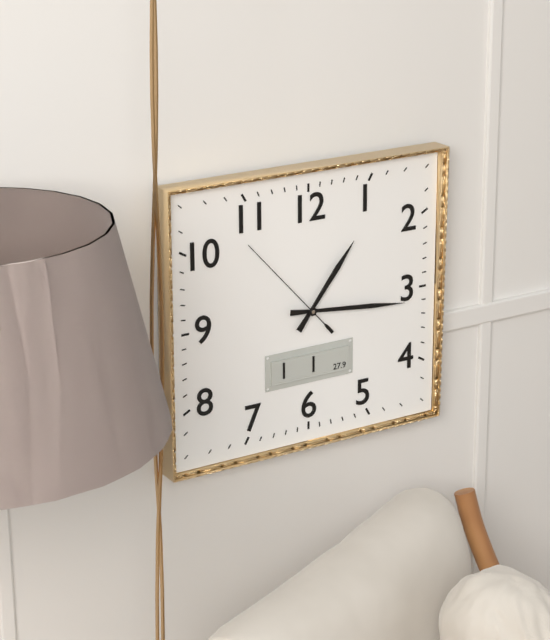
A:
**1:16:53**
